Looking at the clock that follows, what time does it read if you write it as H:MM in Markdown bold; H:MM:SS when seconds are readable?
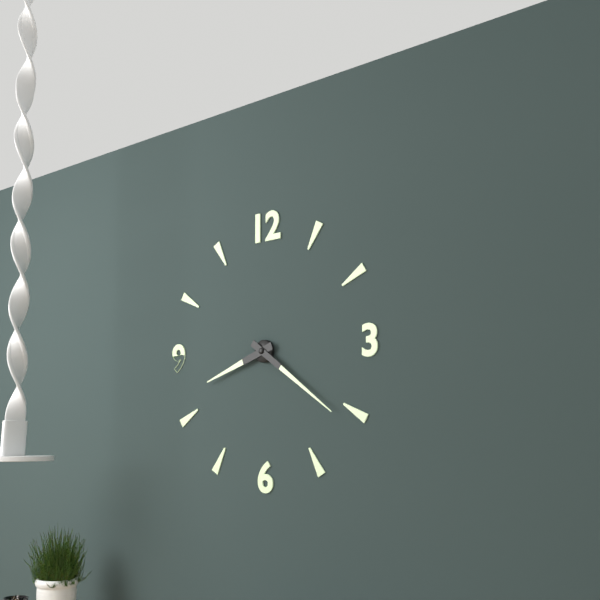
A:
**8:21**
